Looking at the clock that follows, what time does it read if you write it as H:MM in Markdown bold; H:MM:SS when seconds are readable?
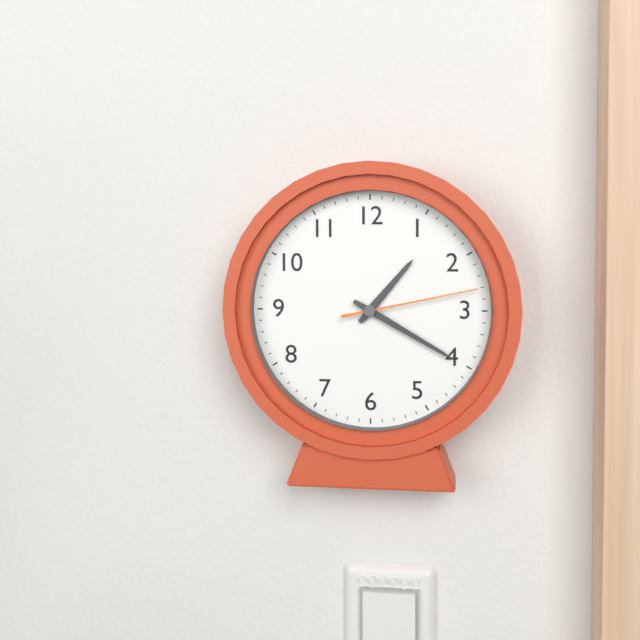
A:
**1:20:13**
